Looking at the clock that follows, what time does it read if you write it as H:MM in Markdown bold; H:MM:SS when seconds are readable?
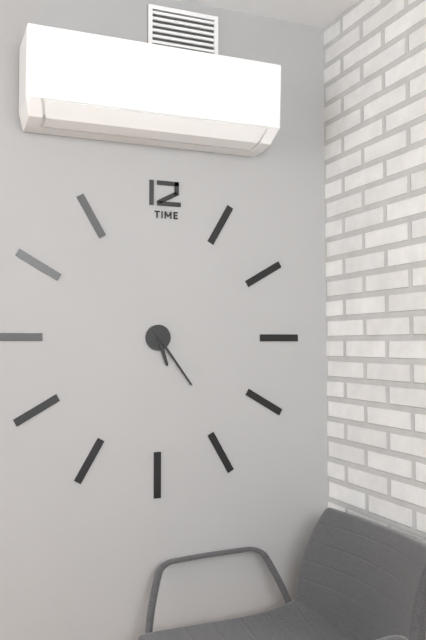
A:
**5:24**
